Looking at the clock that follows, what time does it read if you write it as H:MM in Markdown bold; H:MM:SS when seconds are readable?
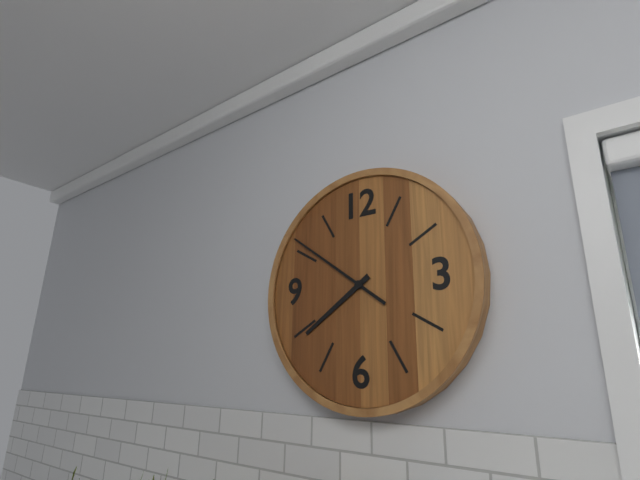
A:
**7:51**
